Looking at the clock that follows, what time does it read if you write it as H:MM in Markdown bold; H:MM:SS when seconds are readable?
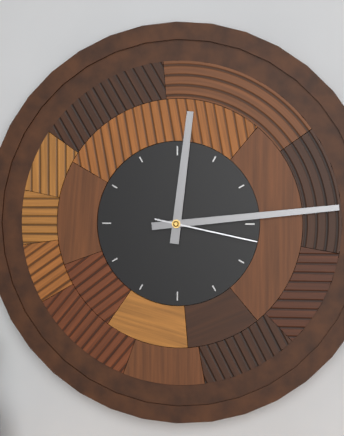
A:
**12:14:17**
